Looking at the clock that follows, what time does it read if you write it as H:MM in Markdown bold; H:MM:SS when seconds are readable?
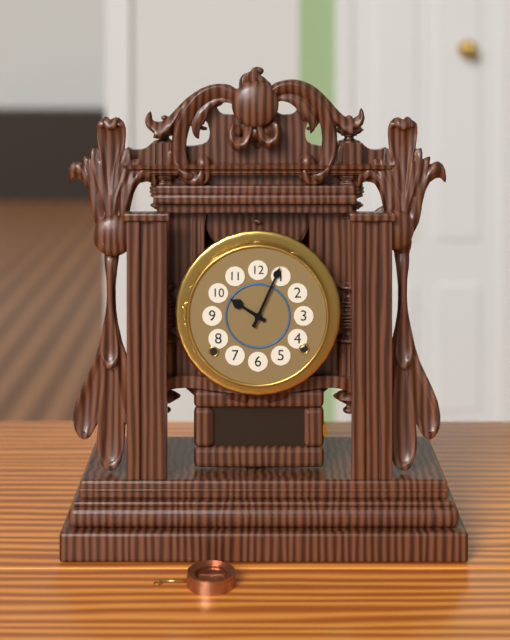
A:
**10:04**
